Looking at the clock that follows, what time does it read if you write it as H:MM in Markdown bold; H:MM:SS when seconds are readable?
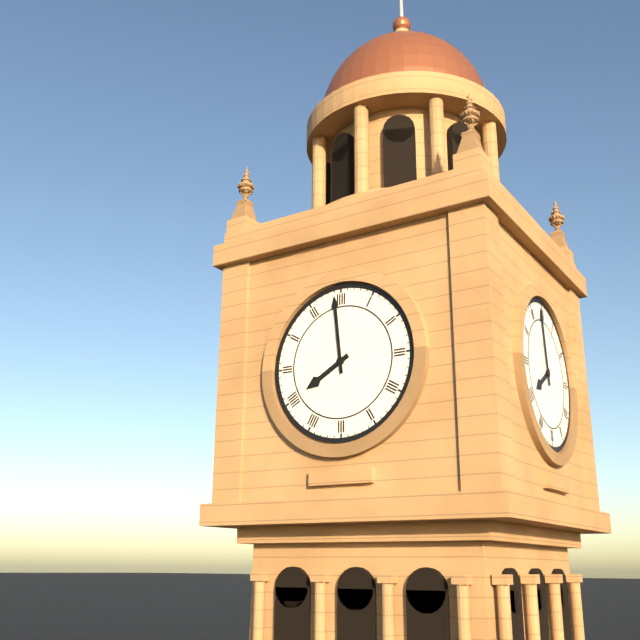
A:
**7:59**
